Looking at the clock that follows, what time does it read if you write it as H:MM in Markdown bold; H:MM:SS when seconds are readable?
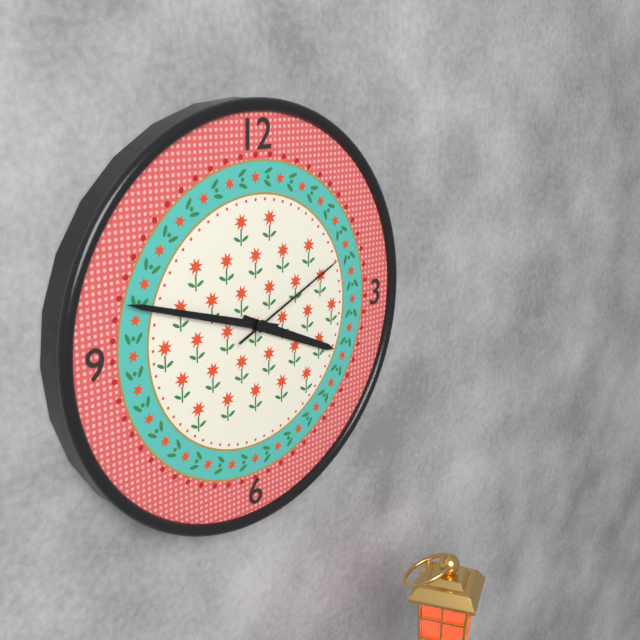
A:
**3:48:11**
